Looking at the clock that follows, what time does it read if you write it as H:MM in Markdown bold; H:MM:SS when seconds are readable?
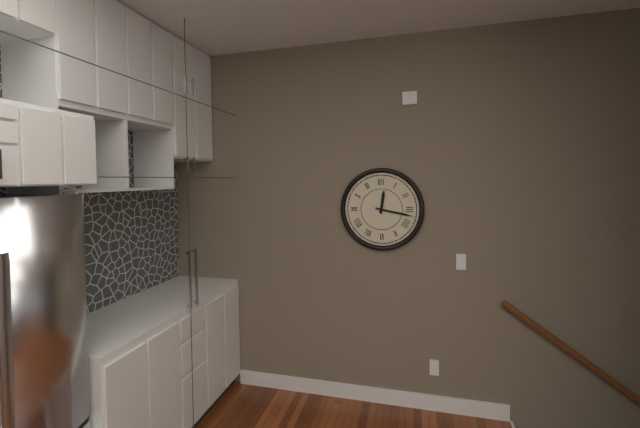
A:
**12:17**
